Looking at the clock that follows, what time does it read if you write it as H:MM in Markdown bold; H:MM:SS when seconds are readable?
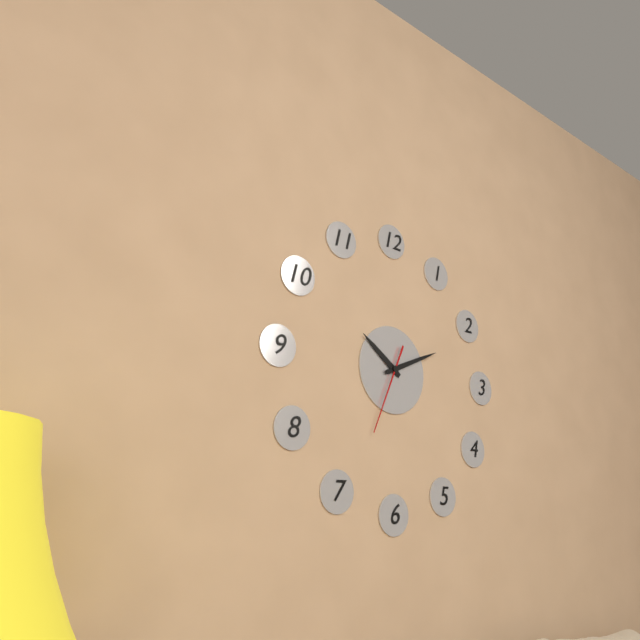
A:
**10:11:34**
